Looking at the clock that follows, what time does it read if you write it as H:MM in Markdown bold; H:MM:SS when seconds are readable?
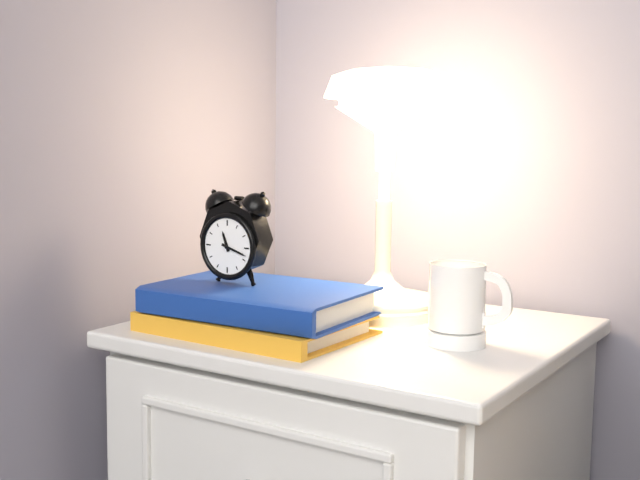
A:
**11:18**
